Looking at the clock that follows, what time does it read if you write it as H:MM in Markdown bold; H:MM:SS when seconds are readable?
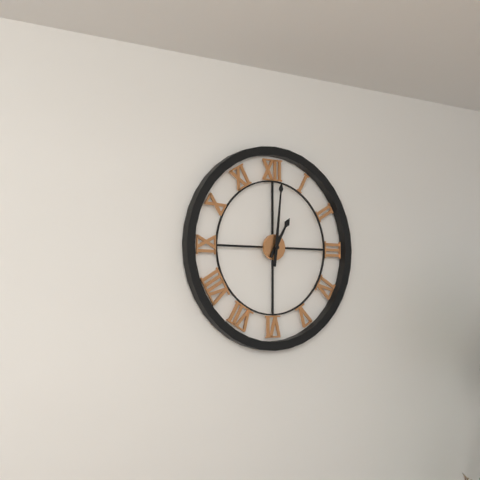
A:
**1:01**
